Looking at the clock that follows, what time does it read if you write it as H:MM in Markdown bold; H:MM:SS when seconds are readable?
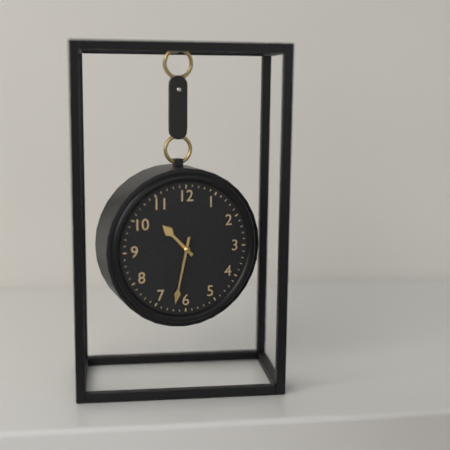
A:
**10:32**
